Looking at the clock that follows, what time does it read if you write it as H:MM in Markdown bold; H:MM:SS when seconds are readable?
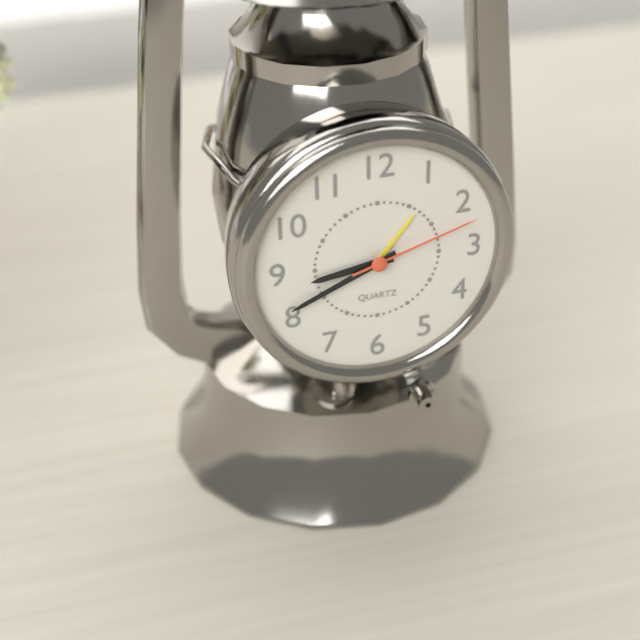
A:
**8:41:12**
